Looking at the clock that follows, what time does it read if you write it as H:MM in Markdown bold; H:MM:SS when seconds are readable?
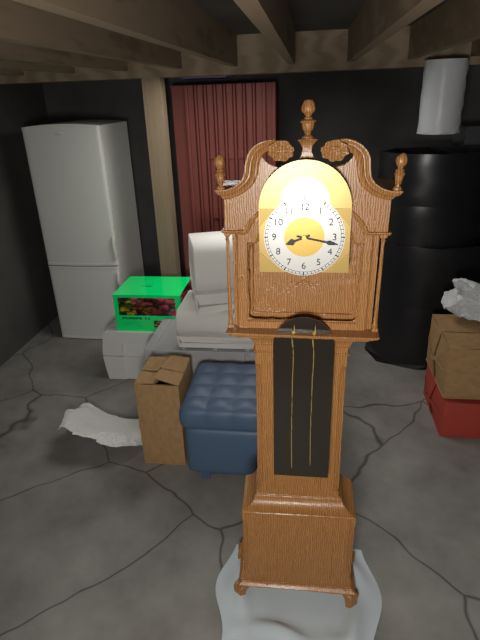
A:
**8:17**
